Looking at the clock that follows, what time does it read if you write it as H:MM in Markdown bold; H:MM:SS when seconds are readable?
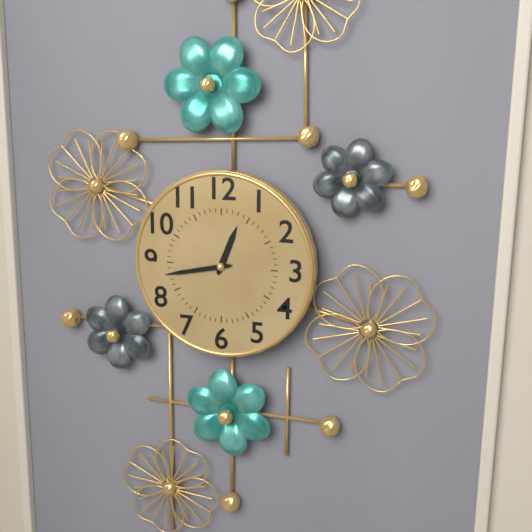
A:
**12:43**
